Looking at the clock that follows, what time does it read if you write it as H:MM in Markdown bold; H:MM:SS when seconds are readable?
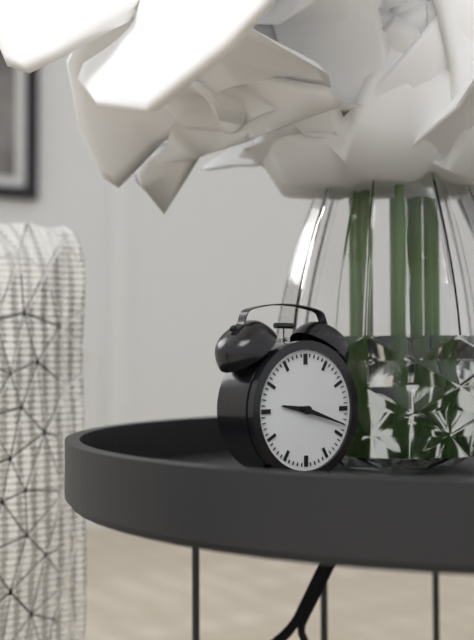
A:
**9:18**
